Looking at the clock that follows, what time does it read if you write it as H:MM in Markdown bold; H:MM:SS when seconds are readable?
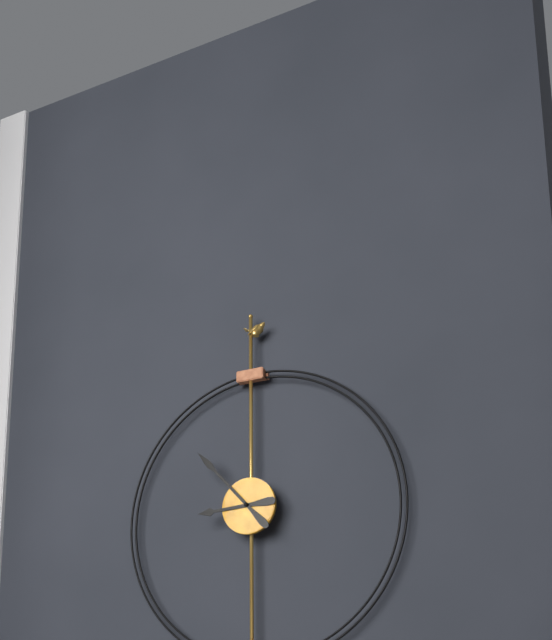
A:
**8:53**
